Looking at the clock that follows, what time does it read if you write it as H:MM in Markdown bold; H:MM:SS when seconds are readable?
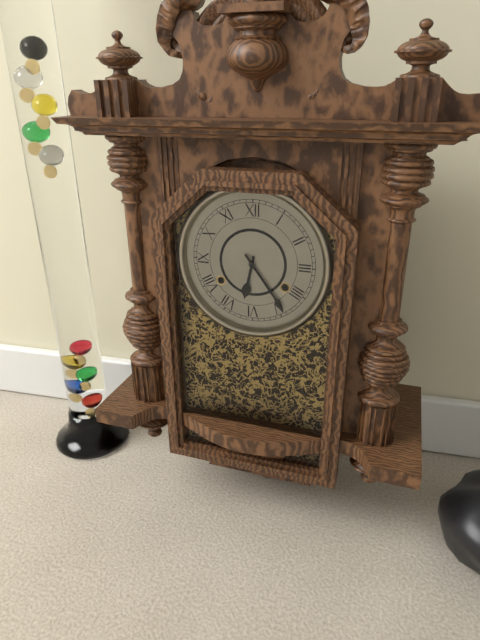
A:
**6:24**
